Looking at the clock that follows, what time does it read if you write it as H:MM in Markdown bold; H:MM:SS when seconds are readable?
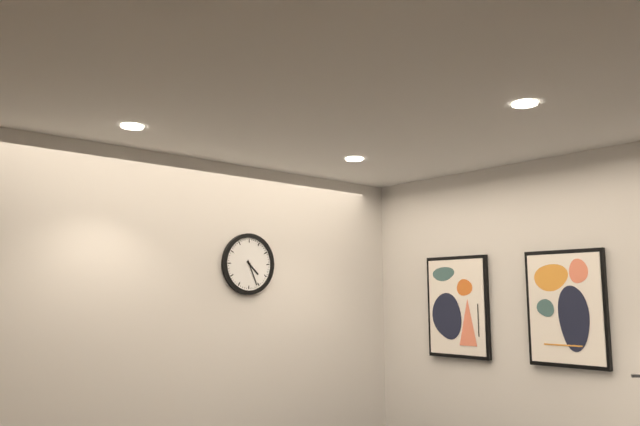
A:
**4:26**
